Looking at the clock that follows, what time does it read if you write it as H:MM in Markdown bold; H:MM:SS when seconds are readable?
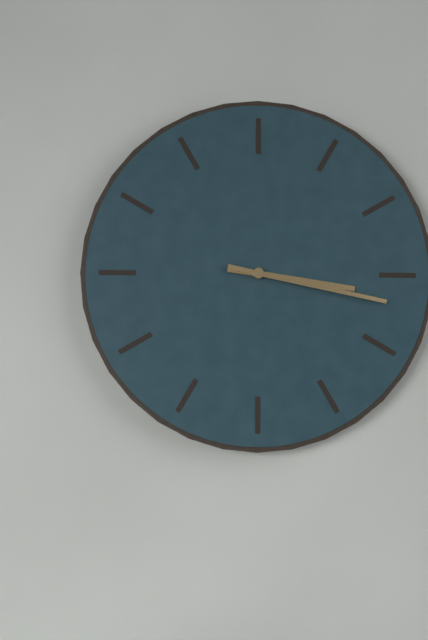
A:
**3:17**
